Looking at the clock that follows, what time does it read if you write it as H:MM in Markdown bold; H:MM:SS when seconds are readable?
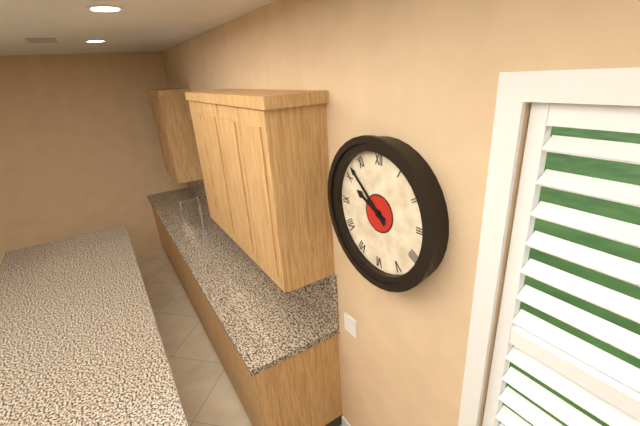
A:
**9:52**
